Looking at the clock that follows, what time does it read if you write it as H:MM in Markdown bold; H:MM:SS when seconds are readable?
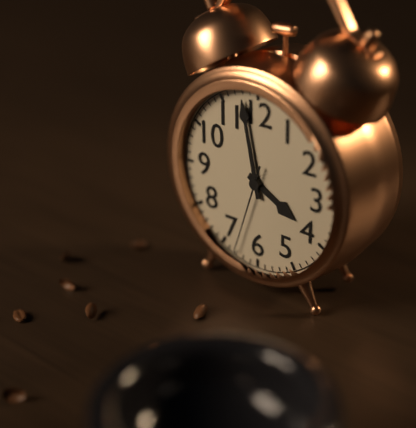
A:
**3:58:33**
